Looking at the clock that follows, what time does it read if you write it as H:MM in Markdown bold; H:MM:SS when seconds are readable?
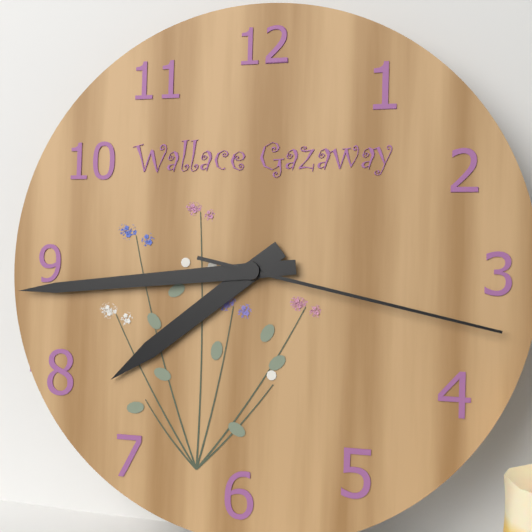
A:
**7:44:17**
